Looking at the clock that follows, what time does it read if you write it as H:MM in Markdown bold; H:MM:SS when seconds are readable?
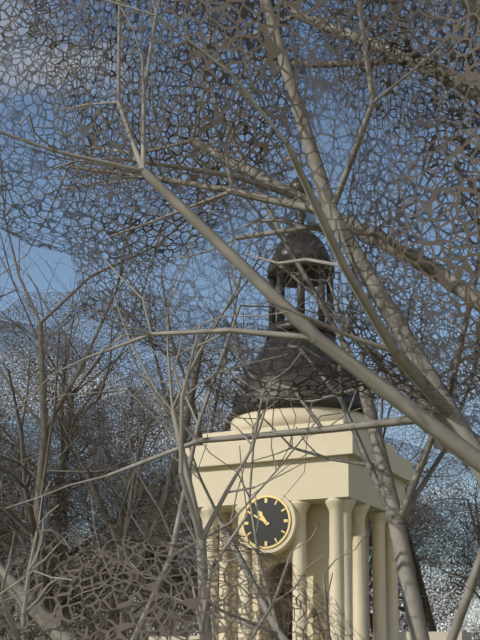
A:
**10:50**
